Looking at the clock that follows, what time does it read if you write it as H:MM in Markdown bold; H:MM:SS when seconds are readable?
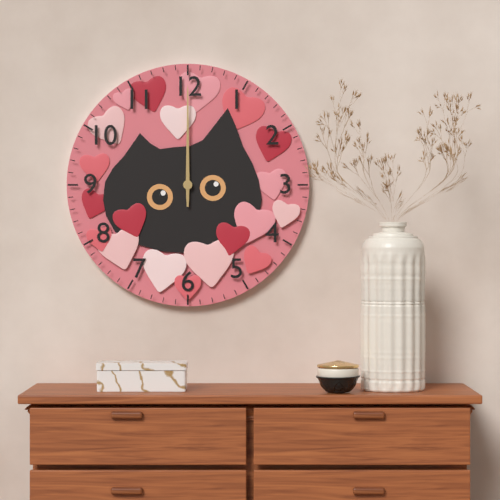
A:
**12:00**
